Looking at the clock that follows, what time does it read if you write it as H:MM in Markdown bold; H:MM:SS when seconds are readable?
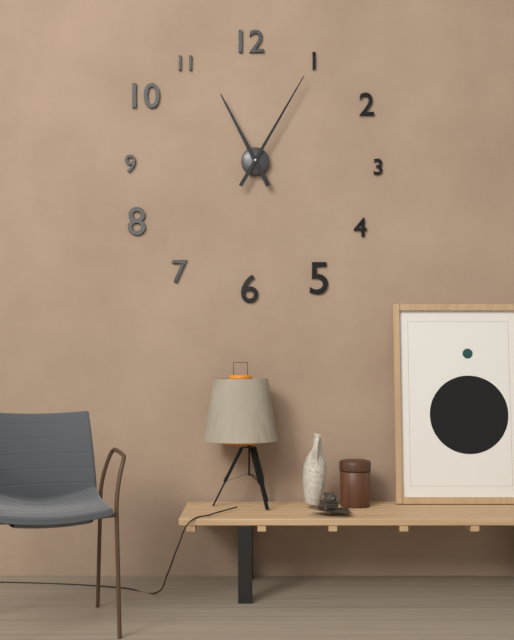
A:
**11:05**
